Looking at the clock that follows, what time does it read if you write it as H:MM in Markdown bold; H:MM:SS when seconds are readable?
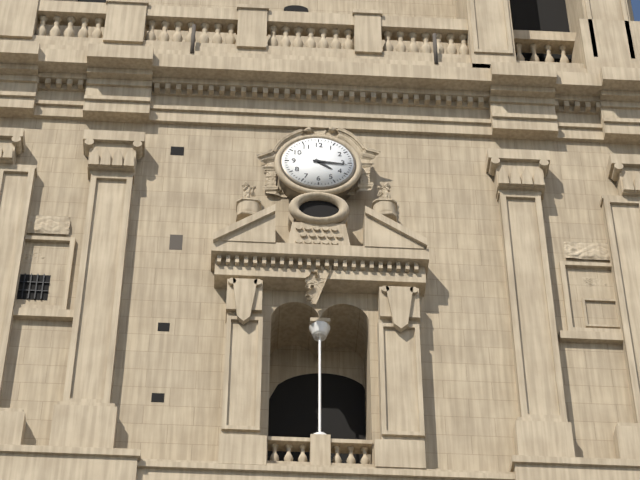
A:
**4:16**
